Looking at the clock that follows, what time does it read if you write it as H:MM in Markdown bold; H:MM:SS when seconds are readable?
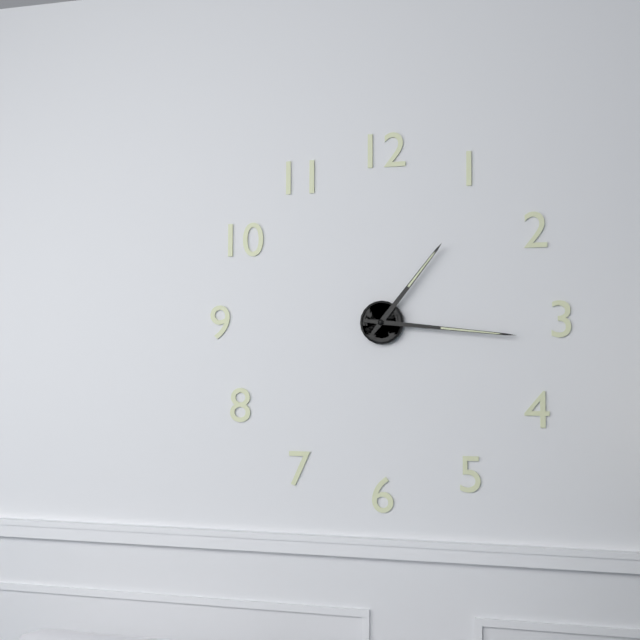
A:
**1:16**
